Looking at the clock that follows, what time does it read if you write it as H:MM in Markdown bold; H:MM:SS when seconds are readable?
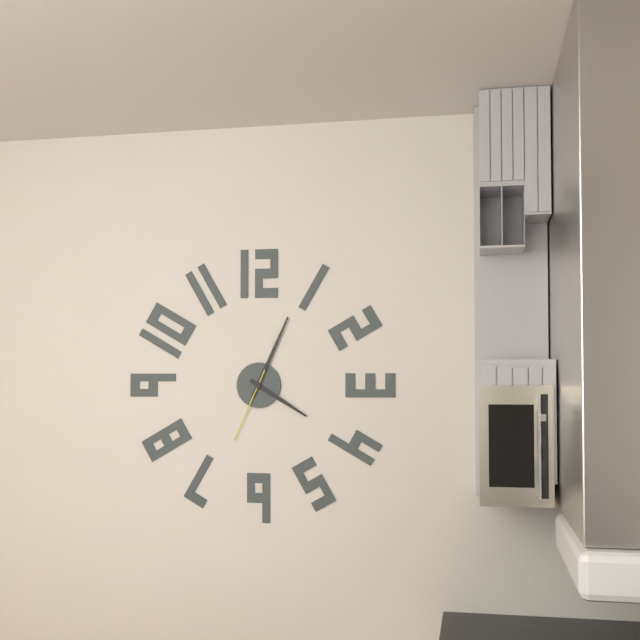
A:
**4:04:34**
